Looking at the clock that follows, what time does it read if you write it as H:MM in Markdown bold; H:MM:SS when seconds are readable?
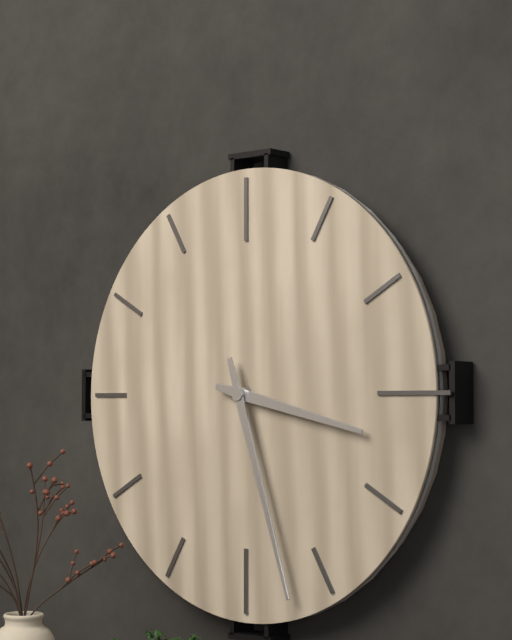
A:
**3:27**
